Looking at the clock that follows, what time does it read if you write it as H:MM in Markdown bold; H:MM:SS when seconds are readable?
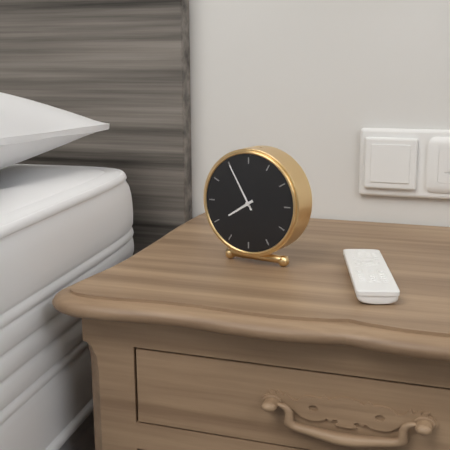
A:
**7:55**
